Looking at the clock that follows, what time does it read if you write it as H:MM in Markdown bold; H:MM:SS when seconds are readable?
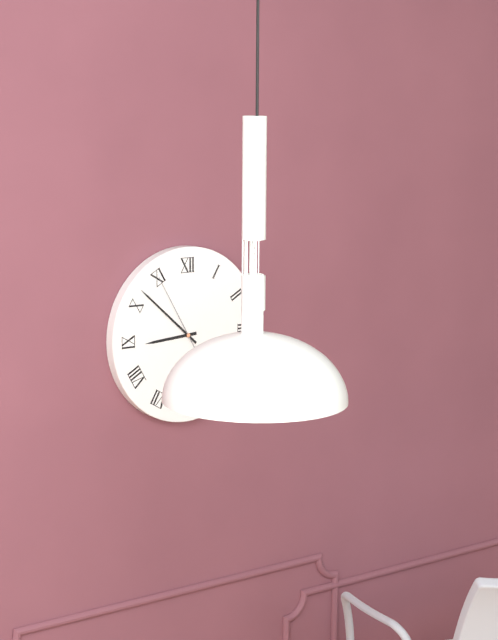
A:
**8:52:55**
